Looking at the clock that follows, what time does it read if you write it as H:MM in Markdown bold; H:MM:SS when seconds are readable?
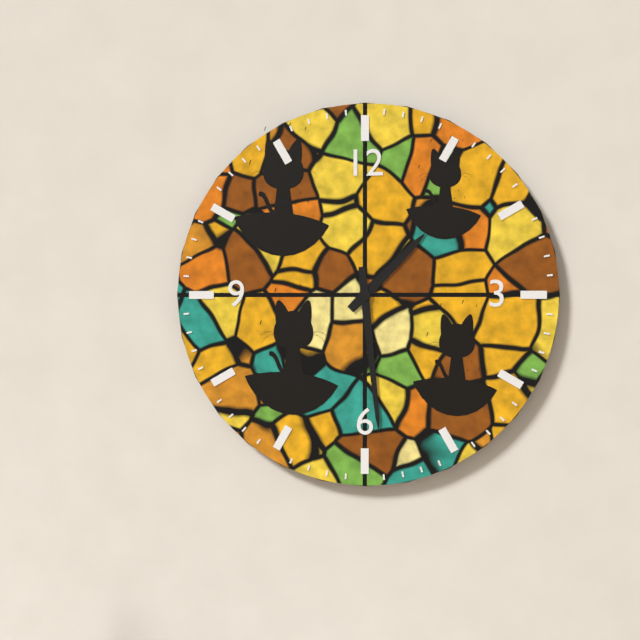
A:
**1:29**
